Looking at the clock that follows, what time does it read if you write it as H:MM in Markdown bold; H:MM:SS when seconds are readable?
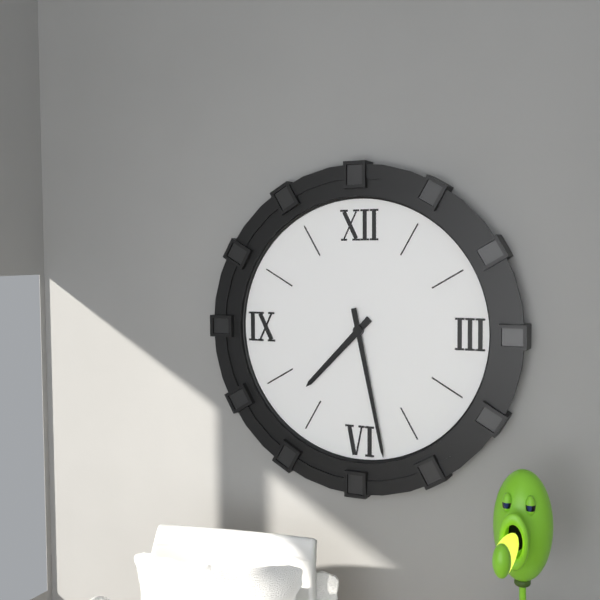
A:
**7:28**
